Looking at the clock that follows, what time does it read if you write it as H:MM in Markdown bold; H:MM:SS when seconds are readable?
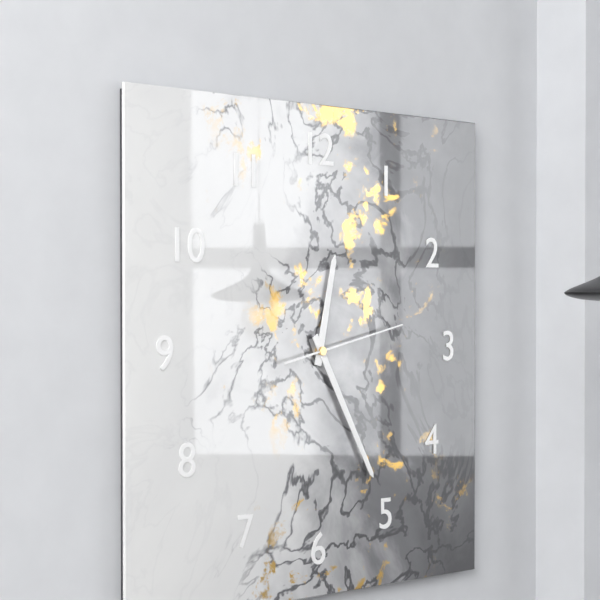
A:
**12:25:13**
